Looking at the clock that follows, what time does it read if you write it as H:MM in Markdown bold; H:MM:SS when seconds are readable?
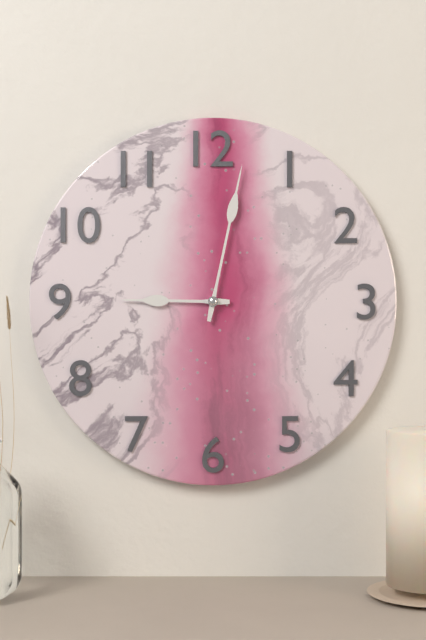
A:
**9:02**
